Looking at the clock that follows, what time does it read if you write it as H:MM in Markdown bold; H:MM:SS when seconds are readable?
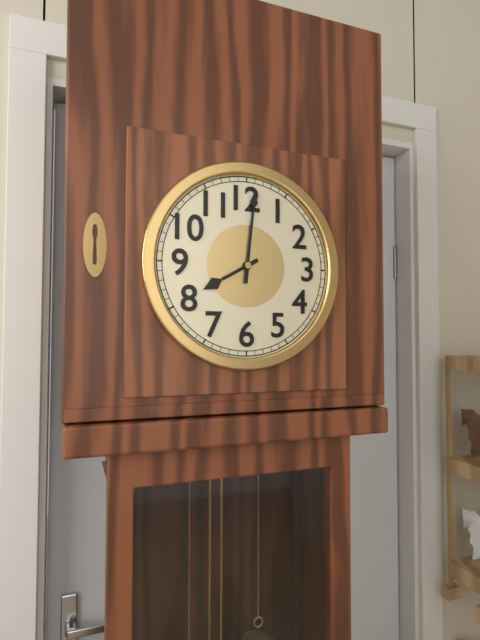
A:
**8:01**
